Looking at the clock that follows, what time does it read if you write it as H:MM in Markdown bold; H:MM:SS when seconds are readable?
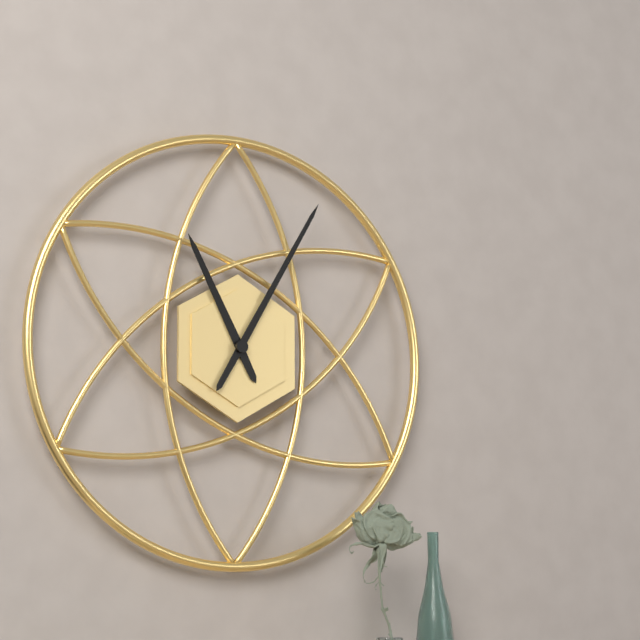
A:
**11:05**
